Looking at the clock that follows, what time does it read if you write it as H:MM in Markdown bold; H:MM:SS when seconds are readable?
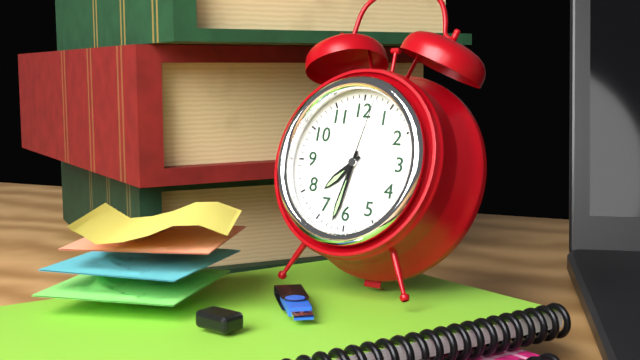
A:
**7:32:02**
